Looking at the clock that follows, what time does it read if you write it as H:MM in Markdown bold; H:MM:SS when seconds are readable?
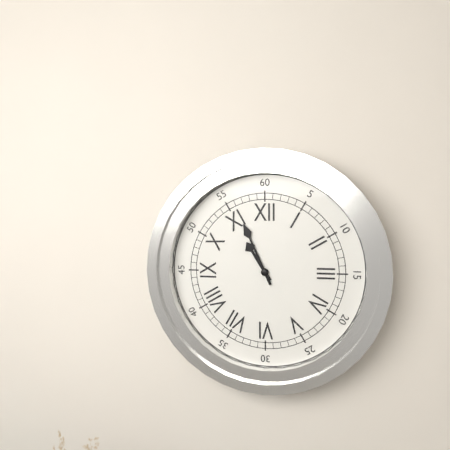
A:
**10:56**
